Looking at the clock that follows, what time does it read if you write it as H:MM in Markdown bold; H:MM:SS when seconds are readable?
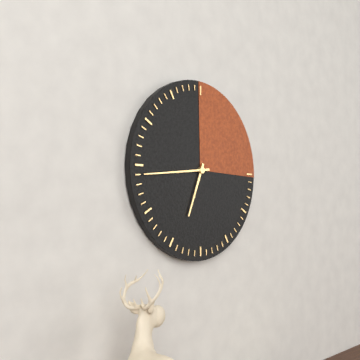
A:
**6:44**
